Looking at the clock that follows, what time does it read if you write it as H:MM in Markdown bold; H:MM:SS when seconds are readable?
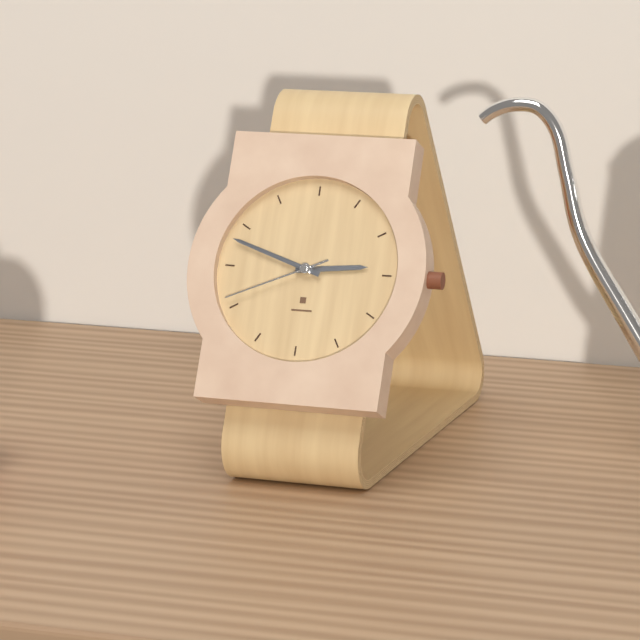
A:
**2:48:41**
